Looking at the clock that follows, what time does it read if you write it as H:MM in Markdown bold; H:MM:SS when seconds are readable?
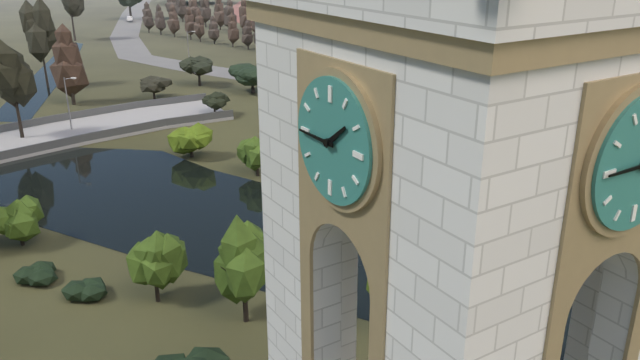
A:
**1:45**
